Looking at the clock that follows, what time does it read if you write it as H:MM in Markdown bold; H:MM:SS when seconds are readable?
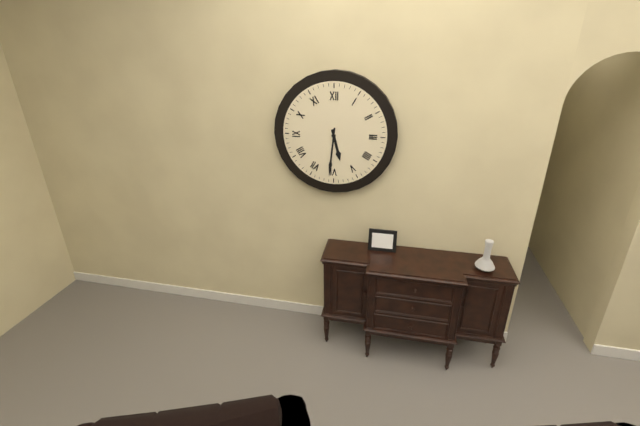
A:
**5:31**
